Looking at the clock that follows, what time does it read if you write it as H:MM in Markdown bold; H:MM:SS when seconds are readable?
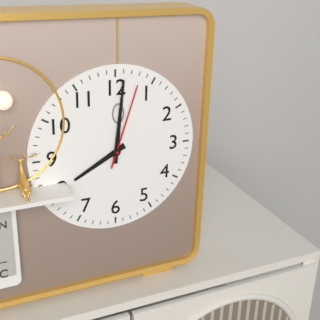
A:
**8:01:03**
